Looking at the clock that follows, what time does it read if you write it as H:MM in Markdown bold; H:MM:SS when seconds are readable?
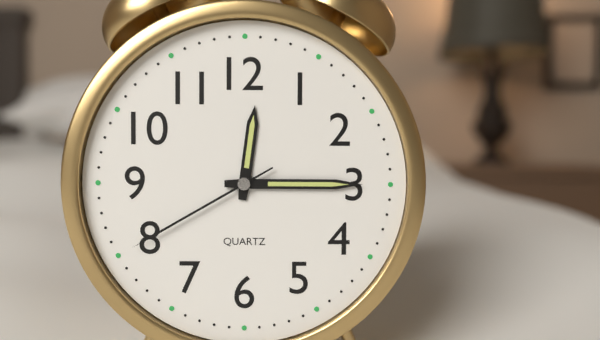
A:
**12:15:40**
